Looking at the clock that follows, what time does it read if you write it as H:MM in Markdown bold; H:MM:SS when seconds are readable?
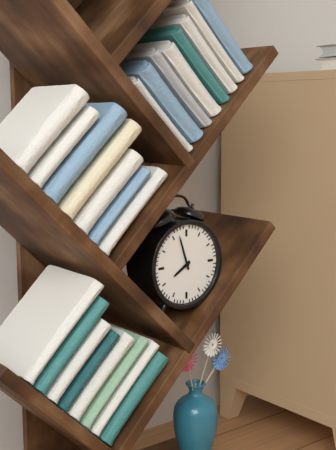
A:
**7:57**
